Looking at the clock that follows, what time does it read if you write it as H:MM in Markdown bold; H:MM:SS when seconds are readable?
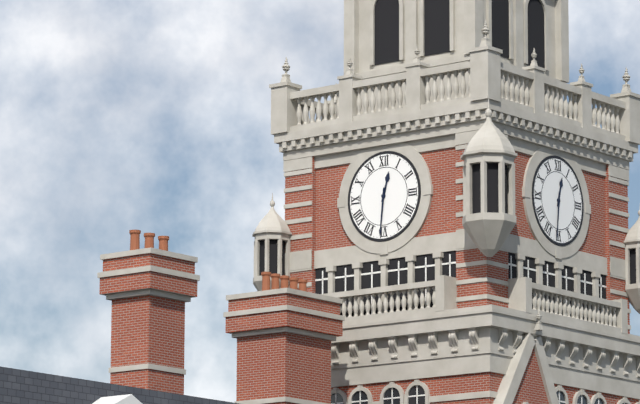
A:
**12:31**
